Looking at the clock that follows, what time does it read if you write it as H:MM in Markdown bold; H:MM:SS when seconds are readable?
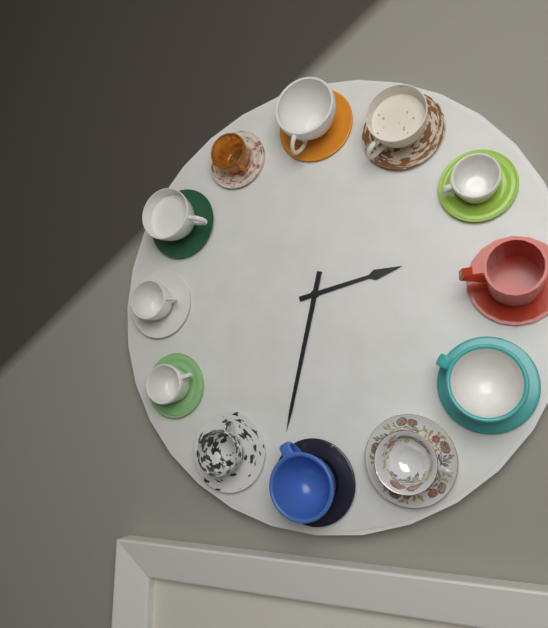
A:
**2:32**
